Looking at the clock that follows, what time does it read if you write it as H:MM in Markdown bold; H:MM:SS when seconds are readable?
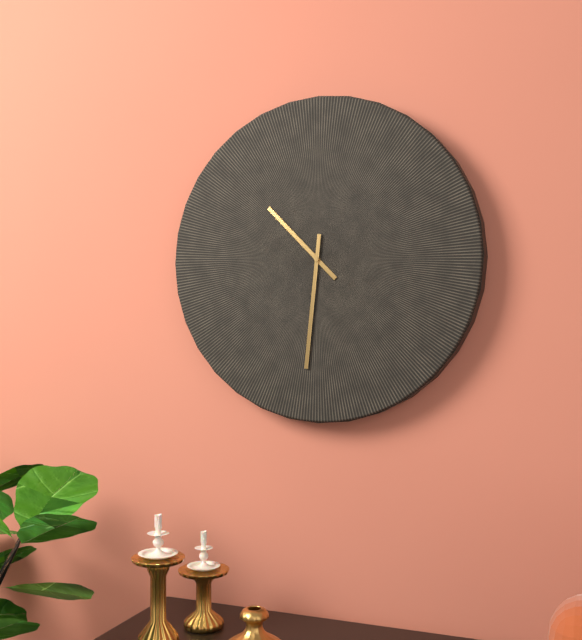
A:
**10:31**
